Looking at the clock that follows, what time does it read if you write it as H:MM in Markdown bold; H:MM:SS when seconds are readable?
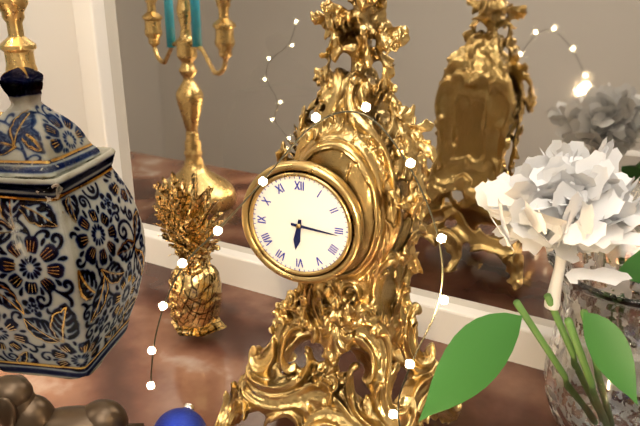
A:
**6:16**
